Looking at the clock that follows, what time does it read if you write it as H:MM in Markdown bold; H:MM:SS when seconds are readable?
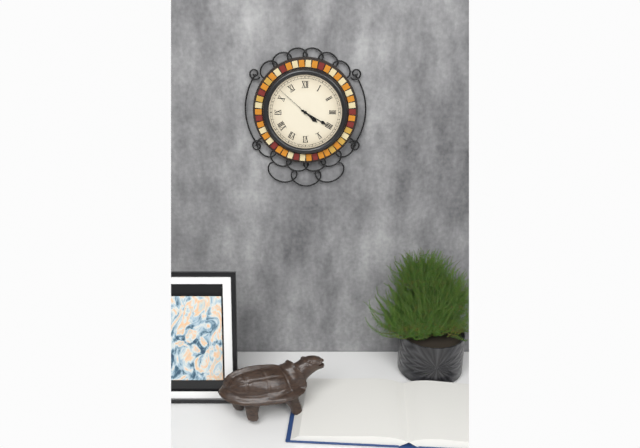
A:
**4:20**
